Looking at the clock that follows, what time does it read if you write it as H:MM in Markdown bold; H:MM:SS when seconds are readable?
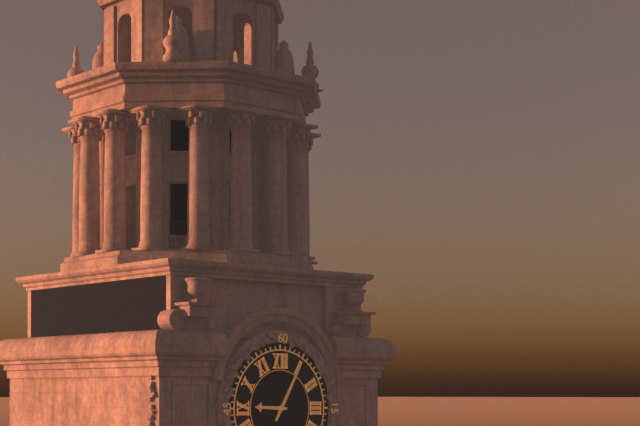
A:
**9:05**
